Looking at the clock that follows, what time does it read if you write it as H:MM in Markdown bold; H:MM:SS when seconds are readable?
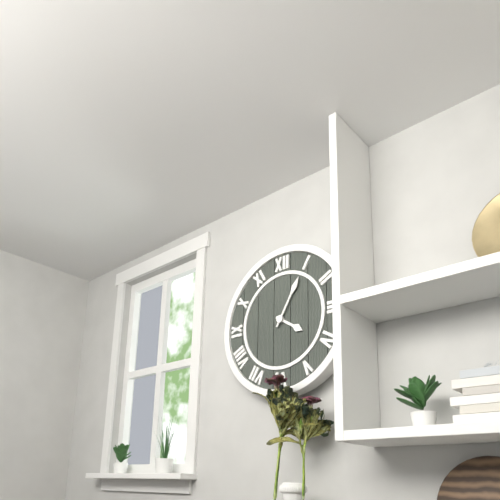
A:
**4:05**
